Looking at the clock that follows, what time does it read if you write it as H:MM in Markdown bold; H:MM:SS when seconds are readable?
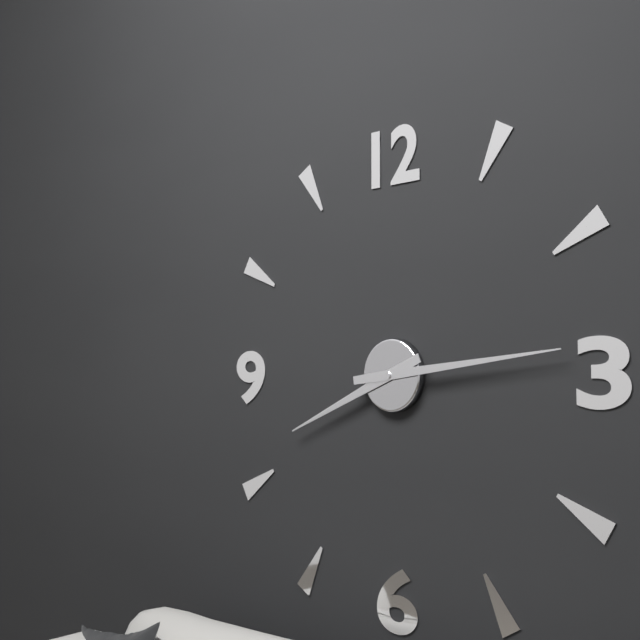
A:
**8:14**
